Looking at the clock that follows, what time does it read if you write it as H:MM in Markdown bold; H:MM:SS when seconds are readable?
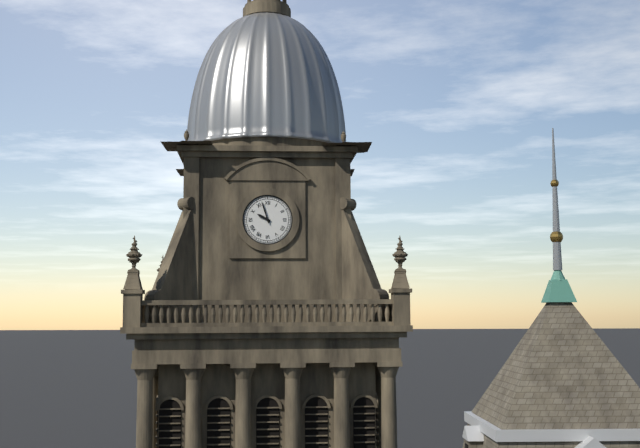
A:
**9:57**
